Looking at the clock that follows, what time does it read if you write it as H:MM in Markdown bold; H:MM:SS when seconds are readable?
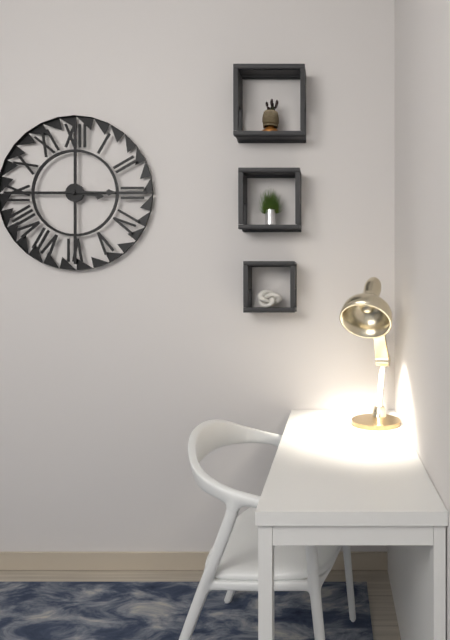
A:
**3:15**
